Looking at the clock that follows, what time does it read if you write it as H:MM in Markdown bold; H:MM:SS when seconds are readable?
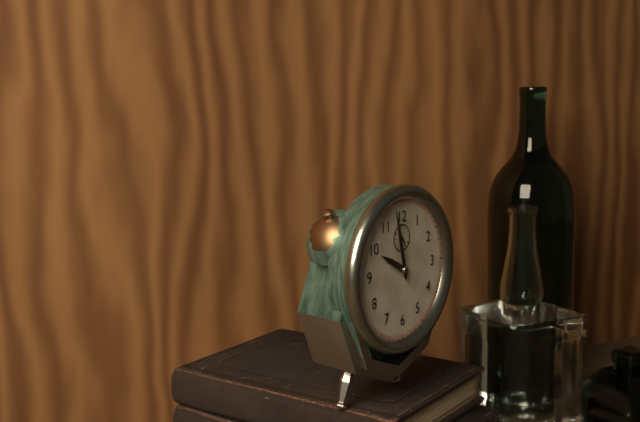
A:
**9:58**
